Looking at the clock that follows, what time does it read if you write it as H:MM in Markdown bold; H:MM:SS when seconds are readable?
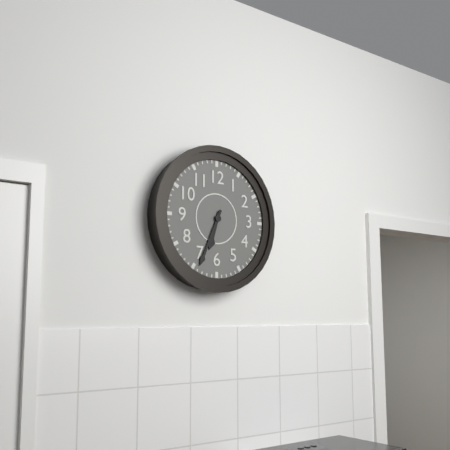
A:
**6:34**
